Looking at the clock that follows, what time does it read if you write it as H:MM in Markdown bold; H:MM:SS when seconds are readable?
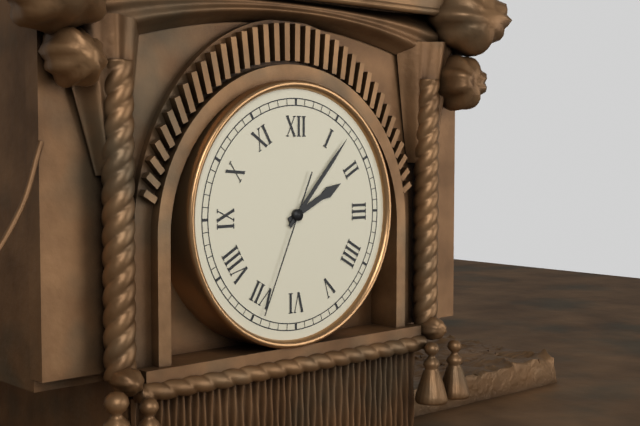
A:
**2:07:34**
